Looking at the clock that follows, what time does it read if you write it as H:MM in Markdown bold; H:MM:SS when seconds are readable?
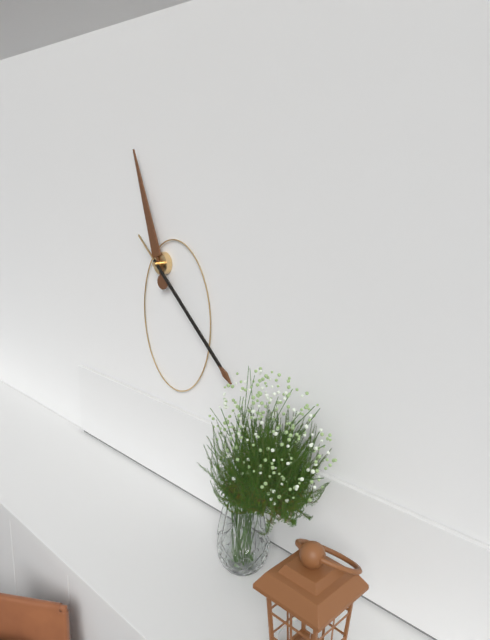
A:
**11:22**
